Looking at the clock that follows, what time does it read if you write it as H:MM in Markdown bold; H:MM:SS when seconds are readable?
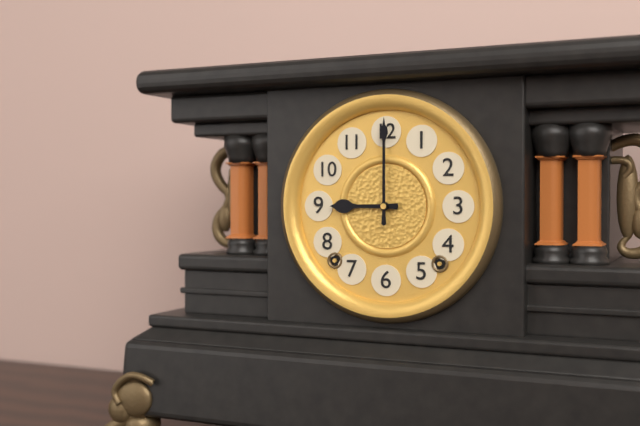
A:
**9:00**
